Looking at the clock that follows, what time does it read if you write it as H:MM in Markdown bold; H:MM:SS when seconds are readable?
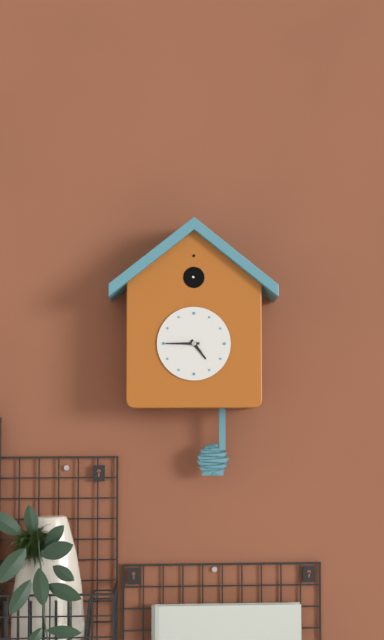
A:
**4:45**
